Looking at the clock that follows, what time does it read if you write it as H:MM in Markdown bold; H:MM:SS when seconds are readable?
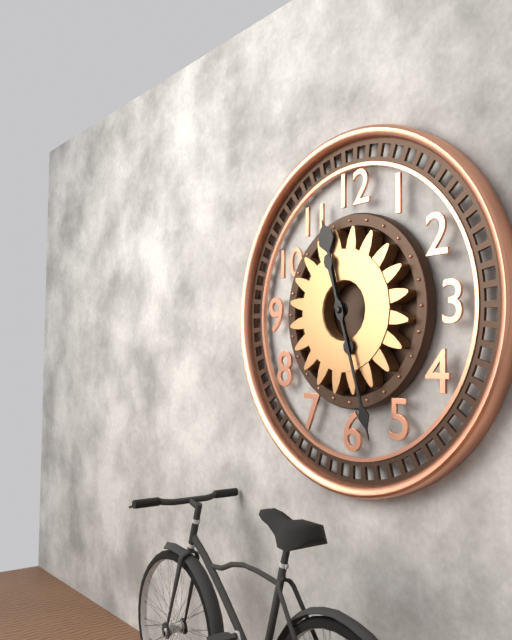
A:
**11:27**
